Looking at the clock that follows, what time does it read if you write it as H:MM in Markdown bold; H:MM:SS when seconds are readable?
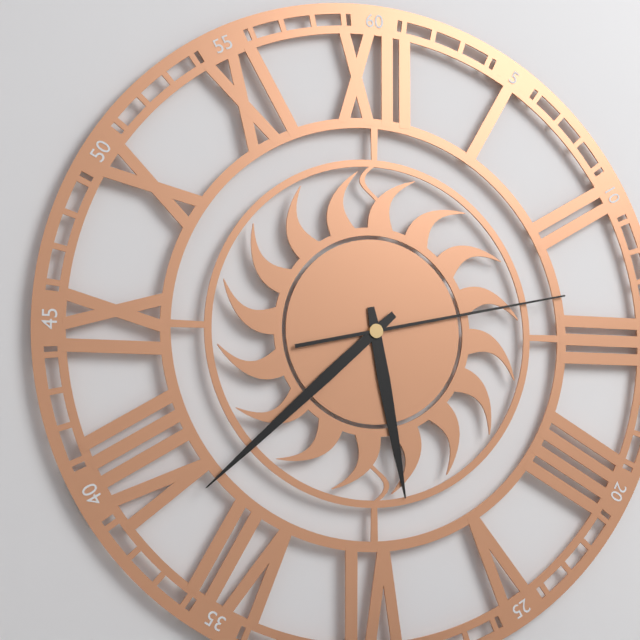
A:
**5:38:13**
